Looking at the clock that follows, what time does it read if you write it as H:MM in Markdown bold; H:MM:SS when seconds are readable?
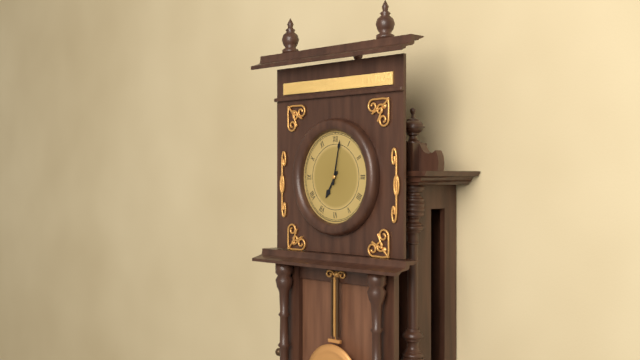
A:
**7:02**
